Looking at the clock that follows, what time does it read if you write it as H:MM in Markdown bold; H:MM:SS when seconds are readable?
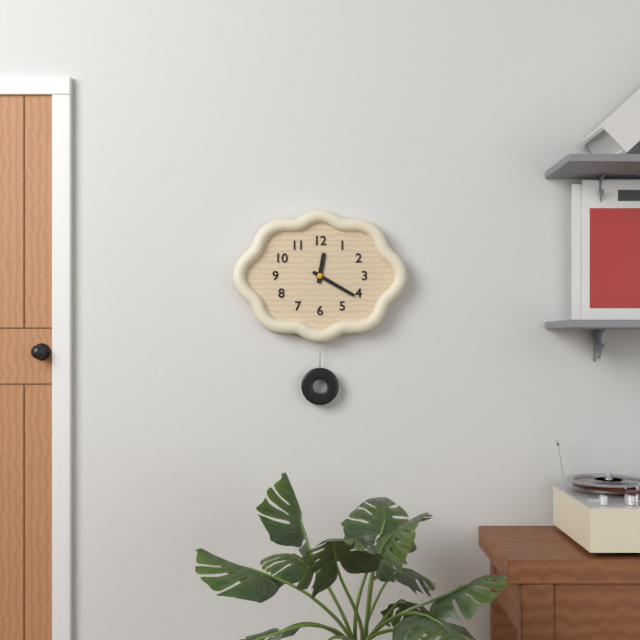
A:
**12:20**
